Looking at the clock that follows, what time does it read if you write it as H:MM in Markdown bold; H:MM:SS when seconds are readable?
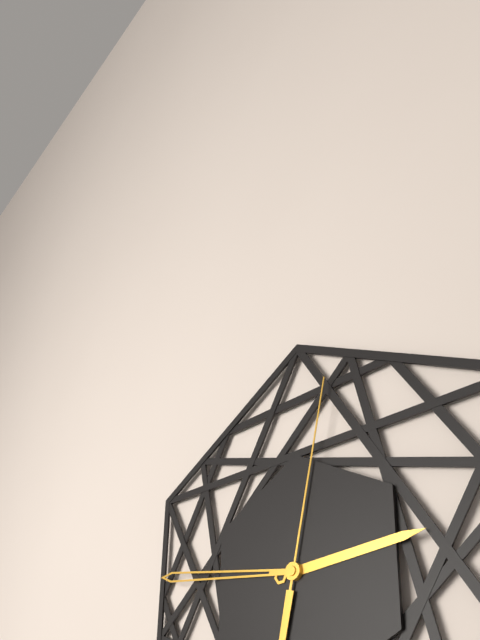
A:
**2:46:02**
